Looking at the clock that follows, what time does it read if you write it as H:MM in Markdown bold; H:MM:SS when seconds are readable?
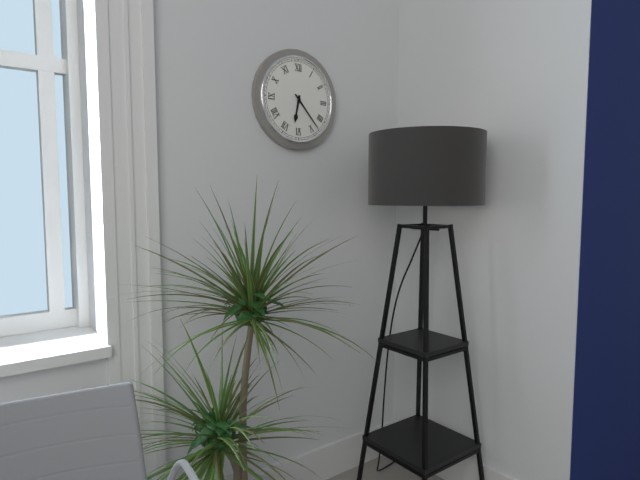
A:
**6:23**
